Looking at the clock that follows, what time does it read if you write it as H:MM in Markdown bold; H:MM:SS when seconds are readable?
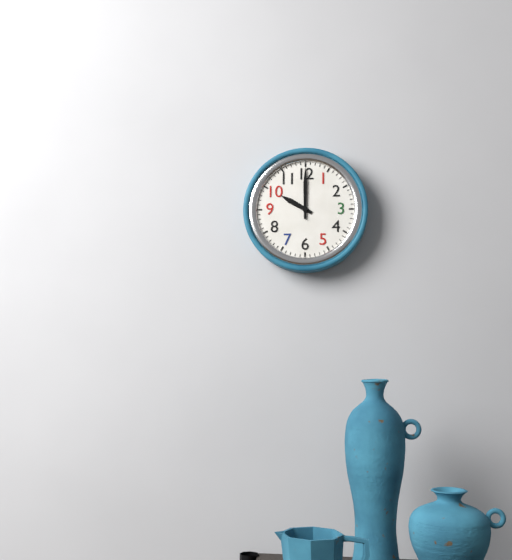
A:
**10:00**
